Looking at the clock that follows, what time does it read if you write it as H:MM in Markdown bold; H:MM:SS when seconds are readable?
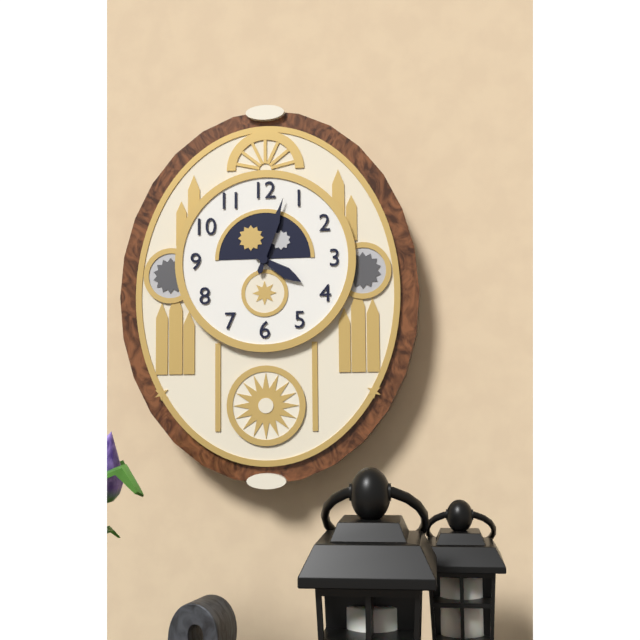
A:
**4:03**
